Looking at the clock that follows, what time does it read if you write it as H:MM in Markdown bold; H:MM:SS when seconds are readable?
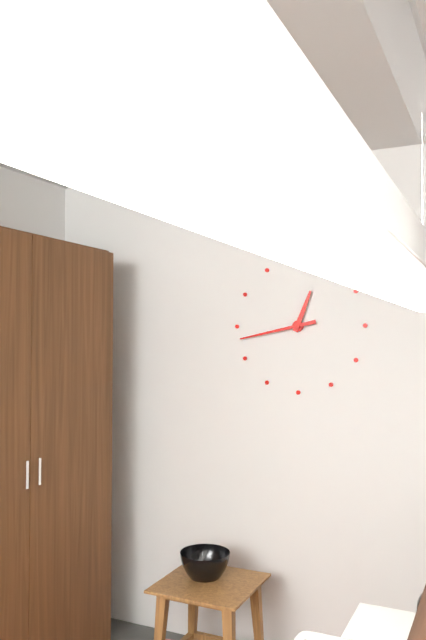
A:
**12:43**
